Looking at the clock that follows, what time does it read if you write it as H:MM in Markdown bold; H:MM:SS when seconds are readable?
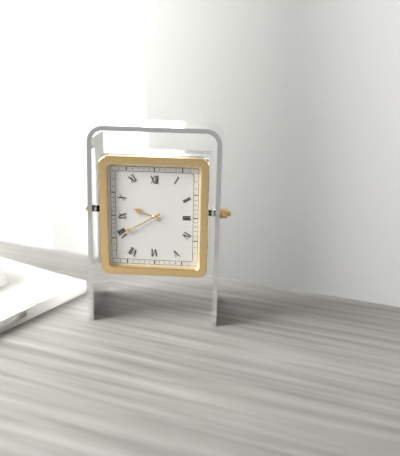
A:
**9:40**
